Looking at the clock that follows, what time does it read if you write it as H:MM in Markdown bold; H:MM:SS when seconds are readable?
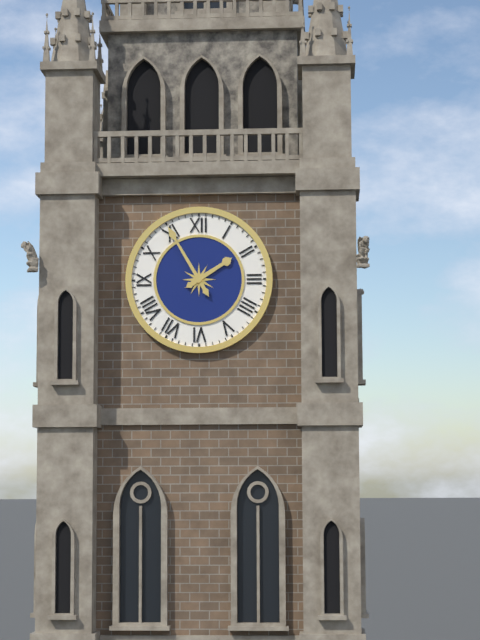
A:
**1:55**
